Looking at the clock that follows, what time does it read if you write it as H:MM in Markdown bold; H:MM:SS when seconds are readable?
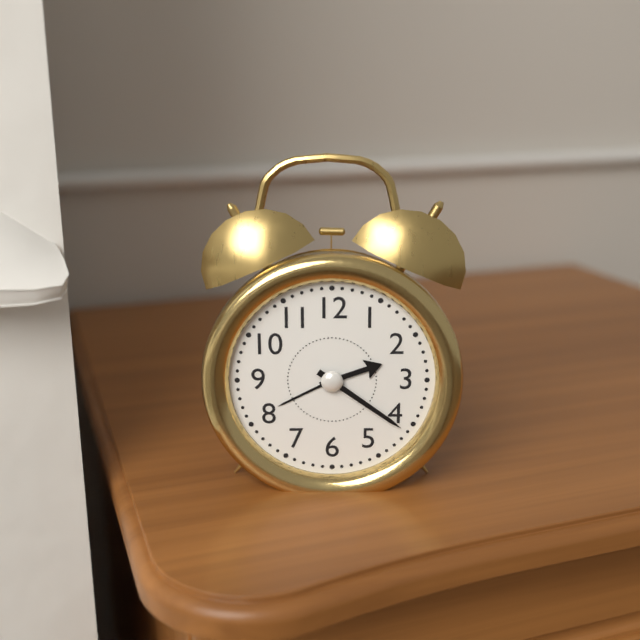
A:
**2:21**
